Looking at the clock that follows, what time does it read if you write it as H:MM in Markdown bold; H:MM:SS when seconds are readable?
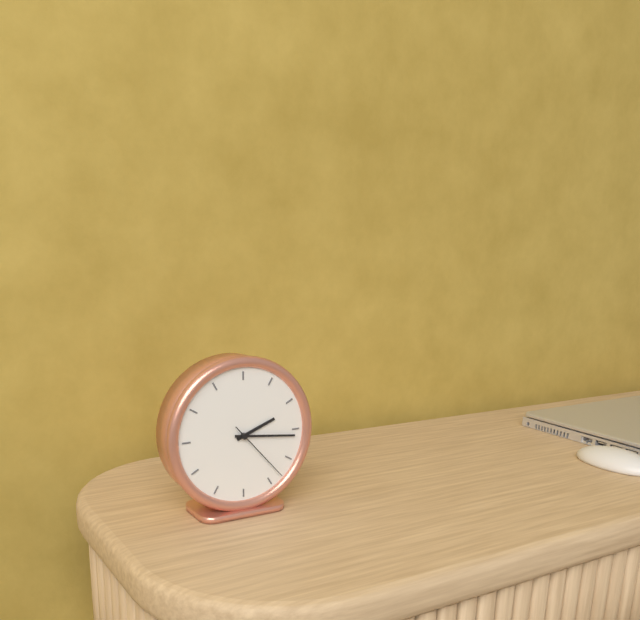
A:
**2:16:23**
